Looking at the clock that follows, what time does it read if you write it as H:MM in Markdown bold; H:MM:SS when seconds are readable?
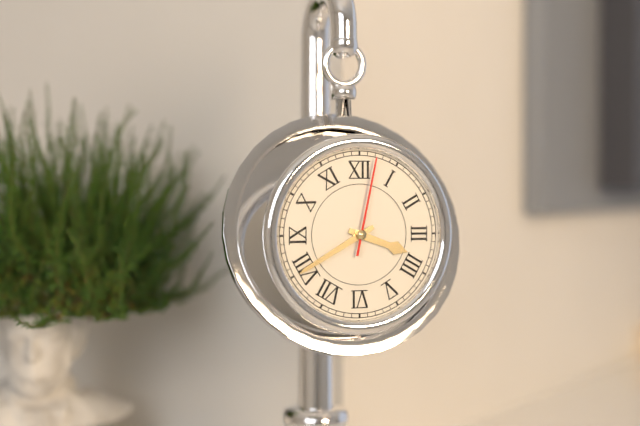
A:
**3:40:02**
